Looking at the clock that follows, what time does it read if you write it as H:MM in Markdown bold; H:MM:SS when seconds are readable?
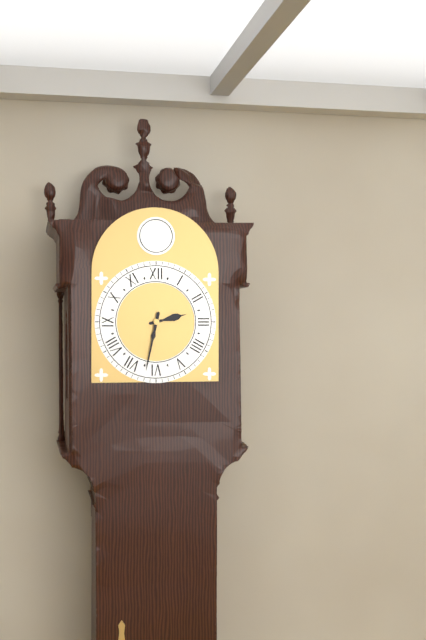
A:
**2:32**
